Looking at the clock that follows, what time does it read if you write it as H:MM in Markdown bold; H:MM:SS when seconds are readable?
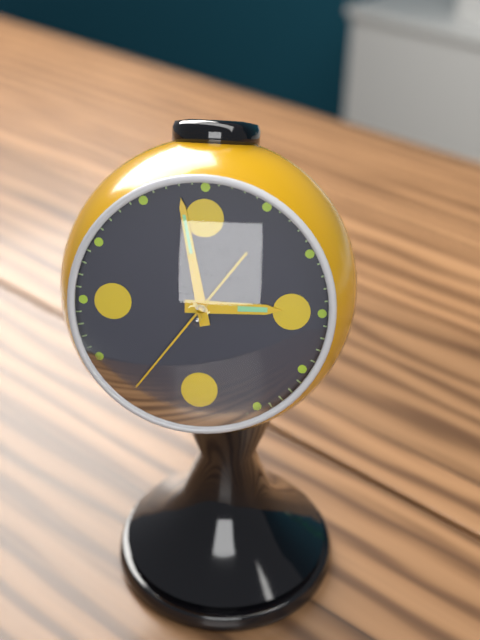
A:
**2:58:36**
